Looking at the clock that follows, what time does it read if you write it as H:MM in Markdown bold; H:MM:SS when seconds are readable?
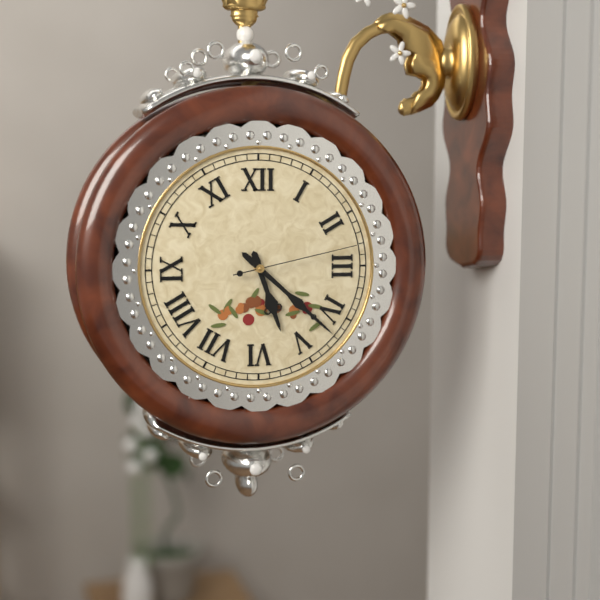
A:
**5:22:13**
